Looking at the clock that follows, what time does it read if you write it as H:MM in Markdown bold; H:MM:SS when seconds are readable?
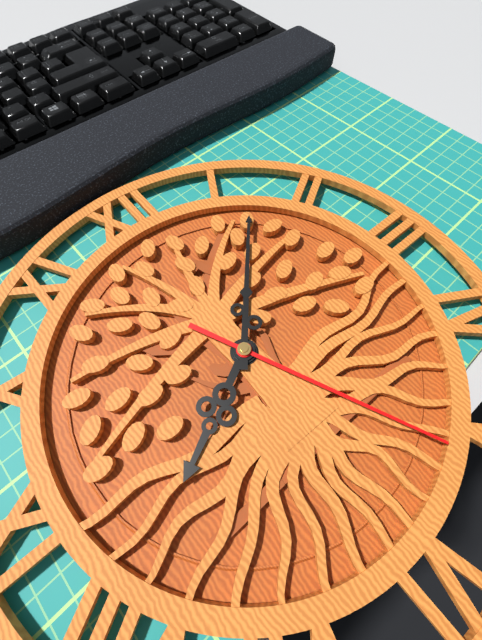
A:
**8:07:26**
